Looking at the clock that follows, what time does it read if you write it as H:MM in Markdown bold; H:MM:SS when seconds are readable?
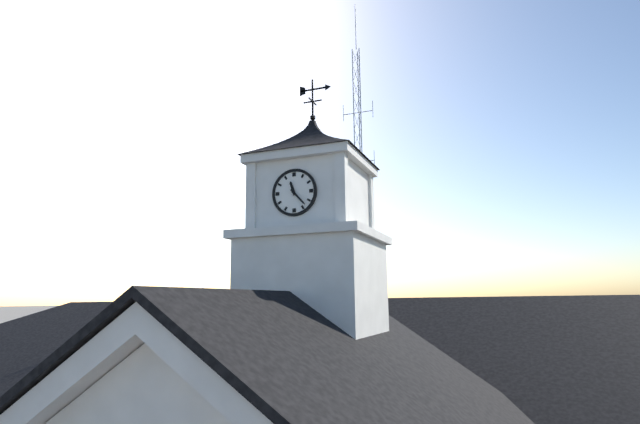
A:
**11:23**
